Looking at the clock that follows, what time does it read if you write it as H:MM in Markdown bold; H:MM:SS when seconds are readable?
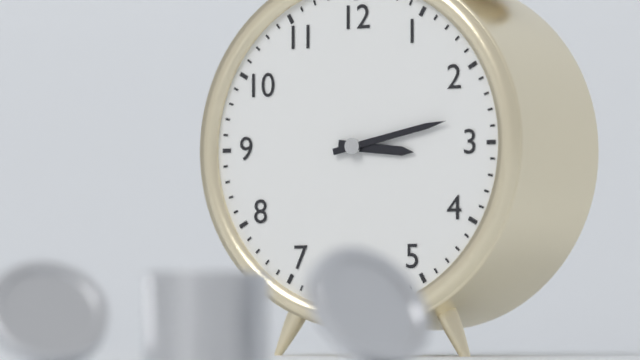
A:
**3:13**
